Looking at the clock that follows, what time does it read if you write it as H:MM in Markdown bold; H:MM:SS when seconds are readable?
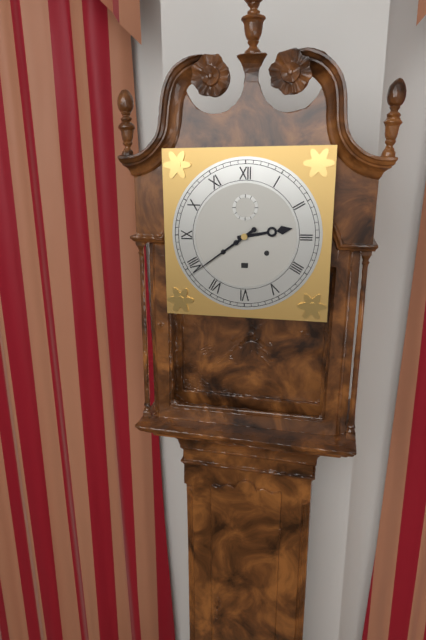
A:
**2:39**
